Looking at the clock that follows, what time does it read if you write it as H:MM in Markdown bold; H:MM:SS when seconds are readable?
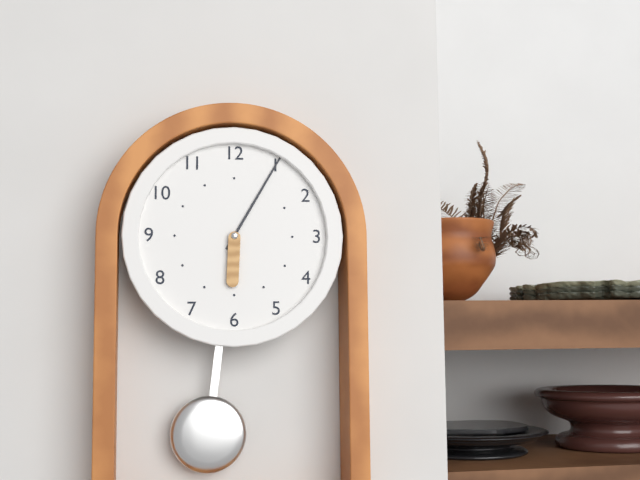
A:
**6:05**
